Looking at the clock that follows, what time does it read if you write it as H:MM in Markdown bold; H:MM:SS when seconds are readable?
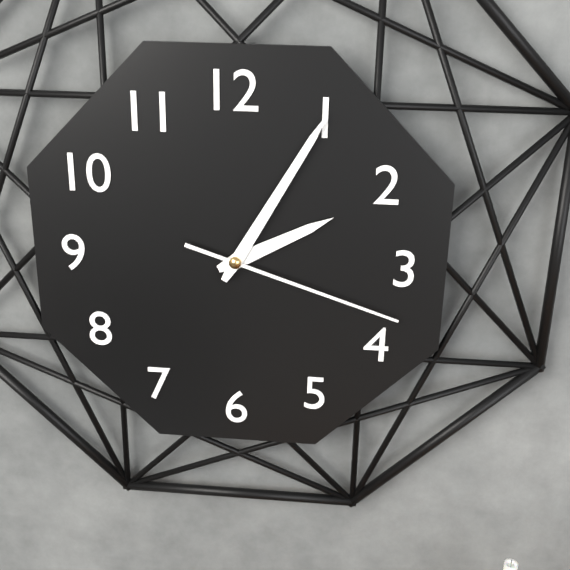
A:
**2:05:18**
